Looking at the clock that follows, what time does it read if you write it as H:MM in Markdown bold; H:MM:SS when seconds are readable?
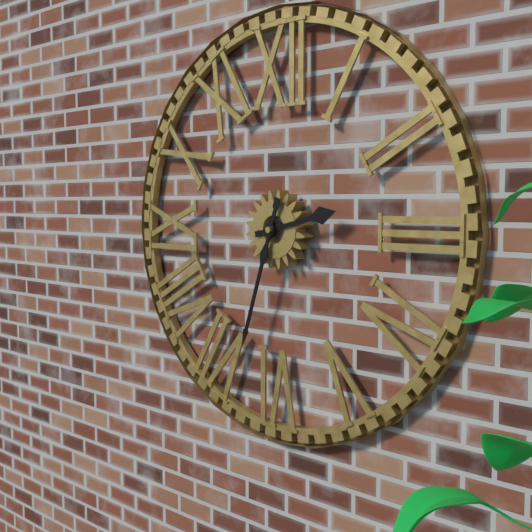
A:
**2:33**
